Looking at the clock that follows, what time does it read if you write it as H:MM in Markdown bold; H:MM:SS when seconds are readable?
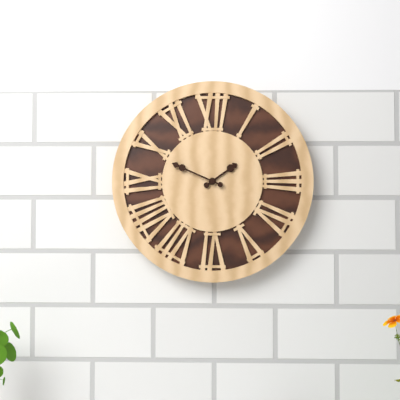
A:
**1:49**
